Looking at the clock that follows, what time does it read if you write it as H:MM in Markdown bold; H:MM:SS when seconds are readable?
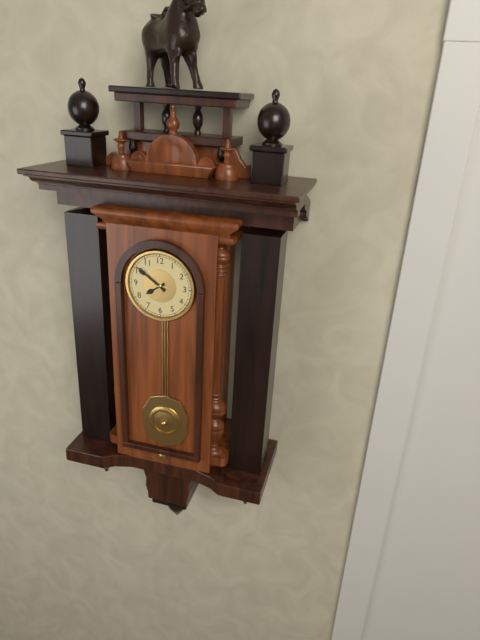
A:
**7:51**
